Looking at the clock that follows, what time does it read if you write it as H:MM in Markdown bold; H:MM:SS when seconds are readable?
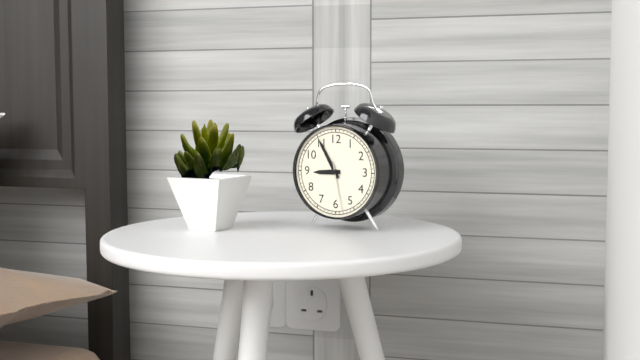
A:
**8:55**
